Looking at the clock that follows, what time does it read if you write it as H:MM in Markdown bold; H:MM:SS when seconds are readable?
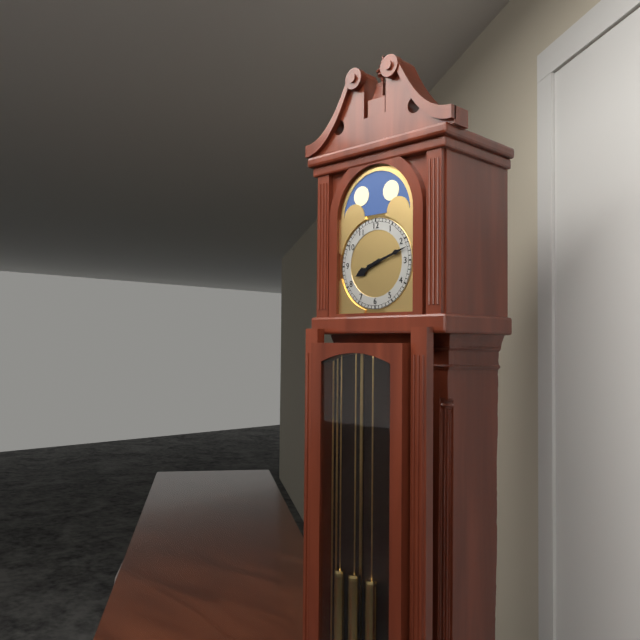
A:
**8:12**
